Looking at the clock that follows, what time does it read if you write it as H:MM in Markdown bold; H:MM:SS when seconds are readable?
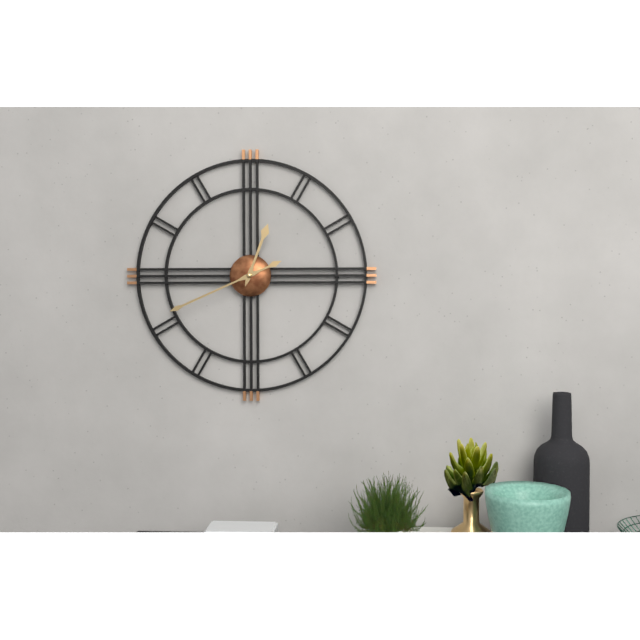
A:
**12:41**
